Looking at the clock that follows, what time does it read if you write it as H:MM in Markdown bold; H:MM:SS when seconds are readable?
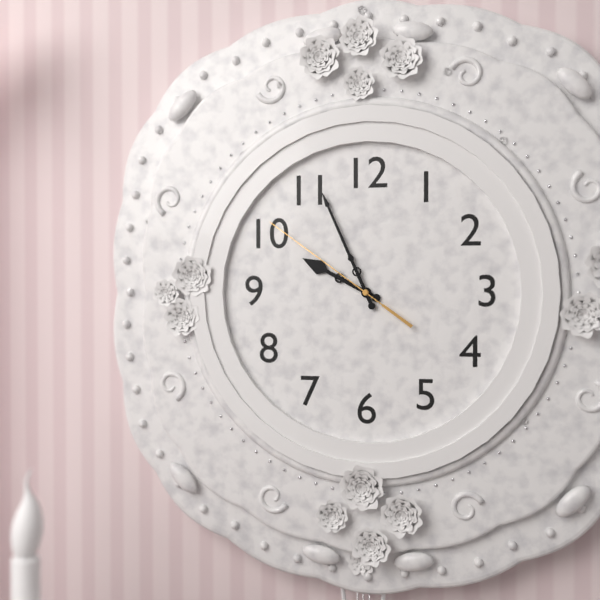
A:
**9:56:51**
